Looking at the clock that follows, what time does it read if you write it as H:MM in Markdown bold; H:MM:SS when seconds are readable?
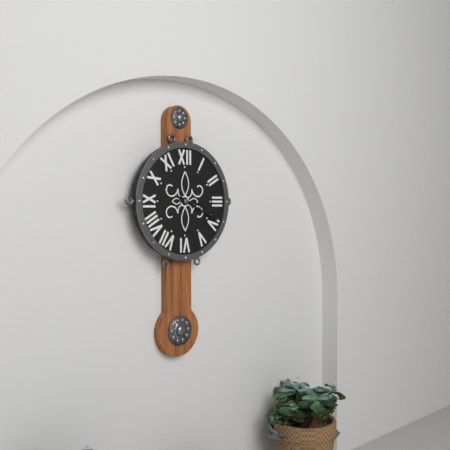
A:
**3:19**
